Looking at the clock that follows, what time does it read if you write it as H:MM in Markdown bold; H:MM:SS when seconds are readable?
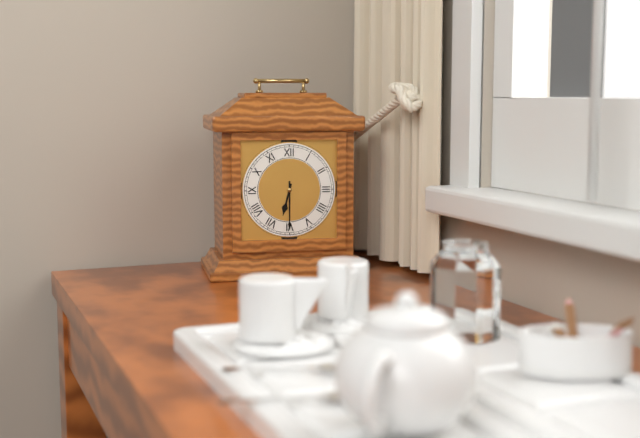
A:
**6:30**
